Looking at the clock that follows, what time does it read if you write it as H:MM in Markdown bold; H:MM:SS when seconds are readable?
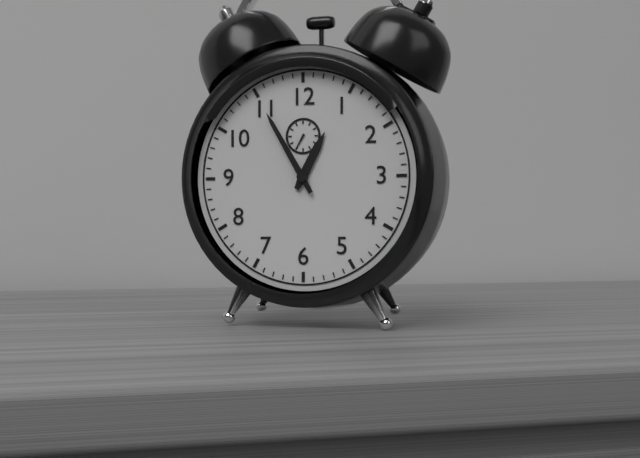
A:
**12:55**
